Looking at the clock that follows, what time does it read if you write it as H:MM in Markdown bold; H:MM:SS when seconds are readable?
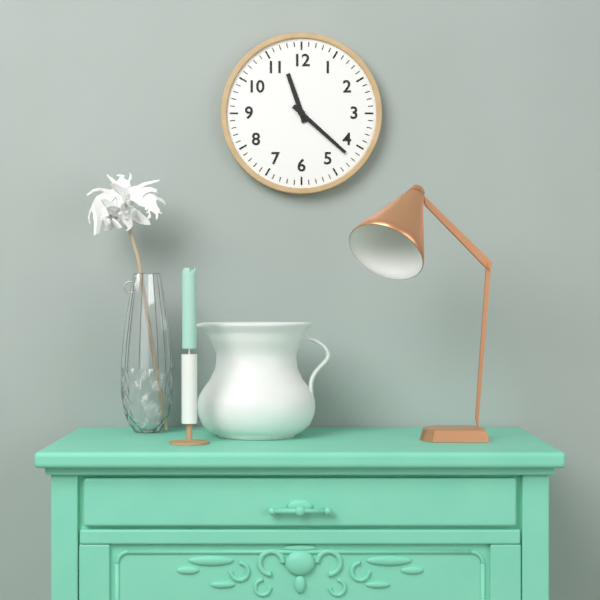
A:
**11:22**
